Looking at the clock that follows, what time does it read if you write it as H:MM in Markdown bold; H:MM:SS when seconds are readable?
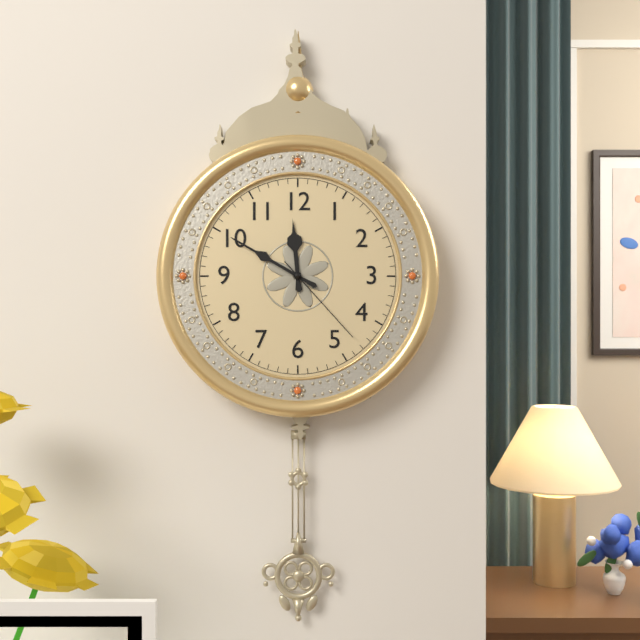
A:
**11:50:23**
